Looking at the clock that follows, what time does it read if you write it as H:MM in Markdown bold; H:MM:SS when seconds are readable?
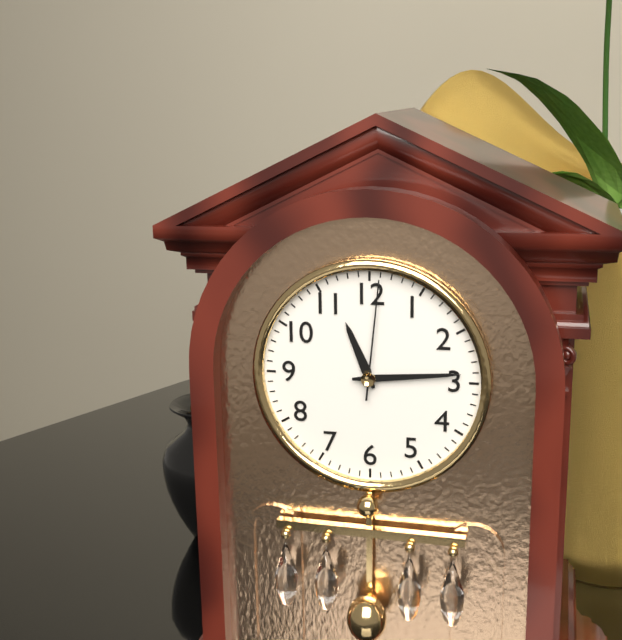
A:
**11:14:01**
